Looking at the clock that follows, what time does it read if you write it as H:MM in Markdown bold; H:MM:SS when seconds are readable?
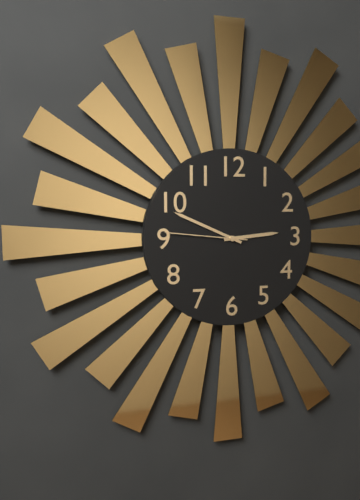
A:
**2:49:46**
